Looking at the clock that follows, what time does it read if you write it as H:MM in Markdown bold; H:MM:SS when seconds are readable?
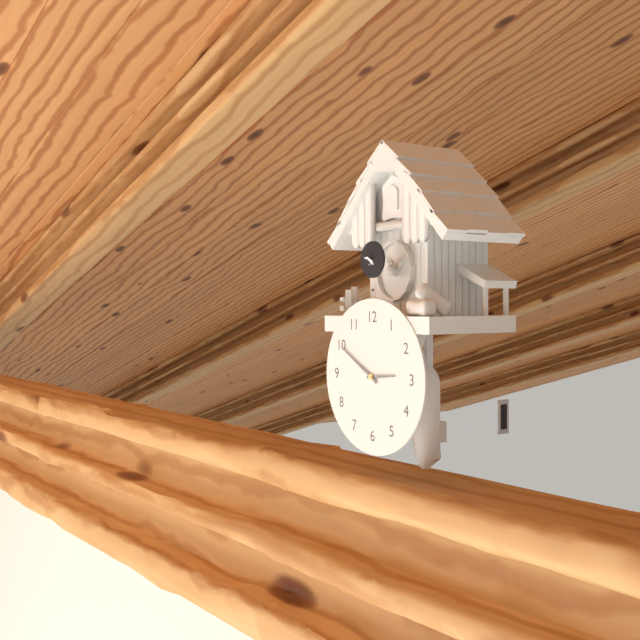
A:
**2:50**
